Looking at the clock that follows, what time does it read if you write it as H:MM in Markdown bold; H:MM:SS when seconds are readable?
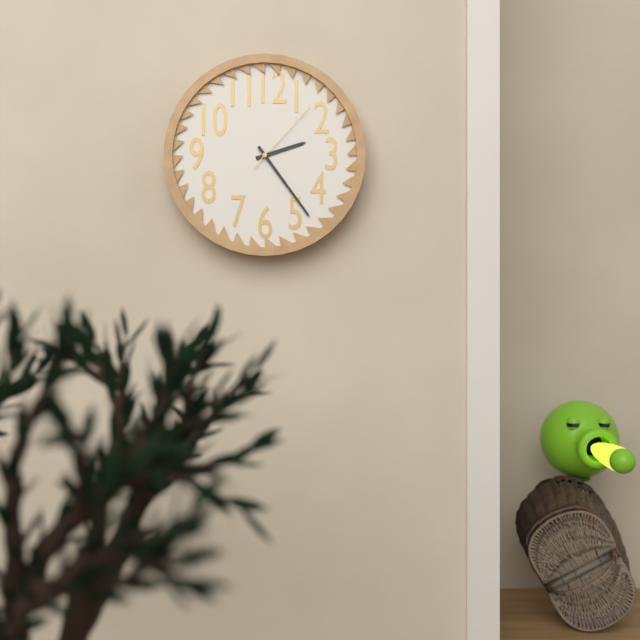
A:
**2:24:07**
